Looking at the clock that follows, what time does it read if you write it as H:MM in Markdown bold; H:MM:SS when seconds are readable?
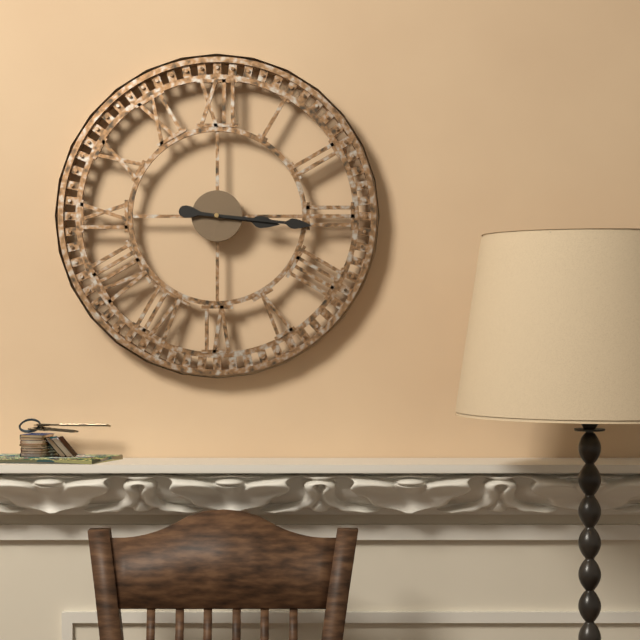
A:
**3:16**
